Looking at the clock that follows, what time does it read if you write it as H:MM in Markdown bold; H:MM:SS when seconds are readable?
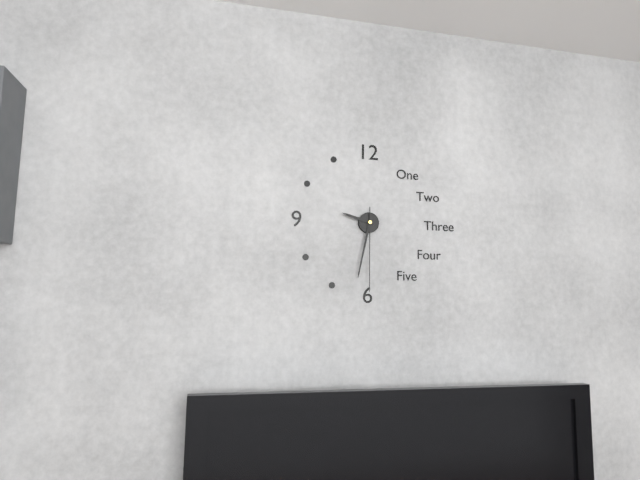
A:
**9:32:30**
